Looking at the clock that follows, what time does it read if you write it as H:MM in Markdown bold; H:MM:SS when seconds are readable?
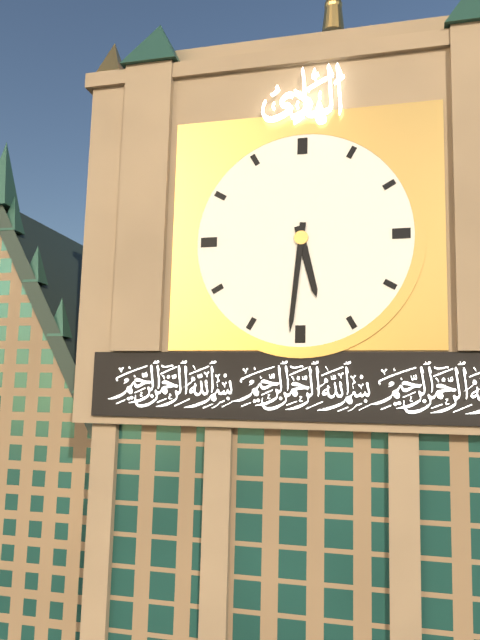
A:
**5:31**
